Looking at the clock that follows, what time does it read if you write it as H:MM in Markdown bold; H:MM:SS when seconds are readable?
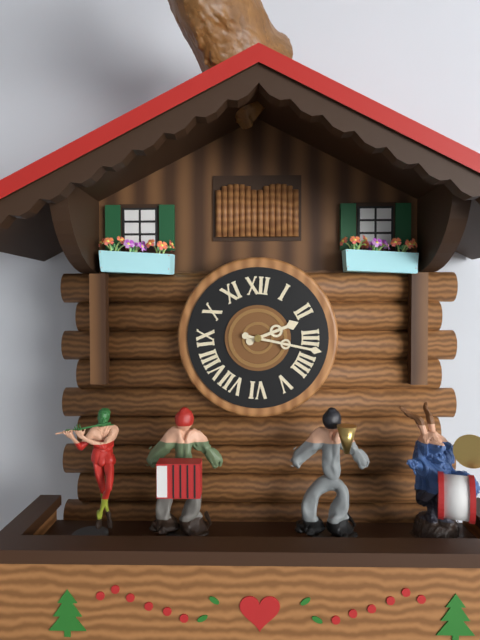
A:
**2:17**
